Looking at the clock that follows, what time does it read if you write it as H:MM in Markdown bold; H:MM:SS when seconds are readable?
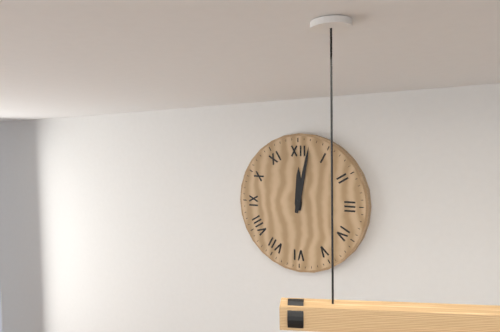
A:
**12:02**
